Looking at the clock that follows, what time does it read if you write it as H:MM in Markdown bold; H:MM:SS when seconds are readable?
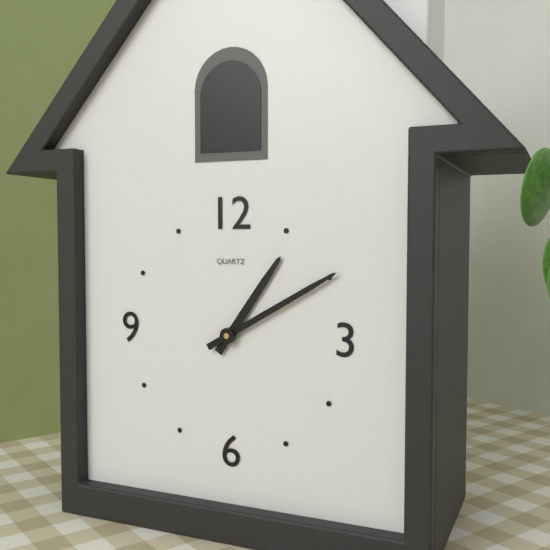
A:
**1:10**
